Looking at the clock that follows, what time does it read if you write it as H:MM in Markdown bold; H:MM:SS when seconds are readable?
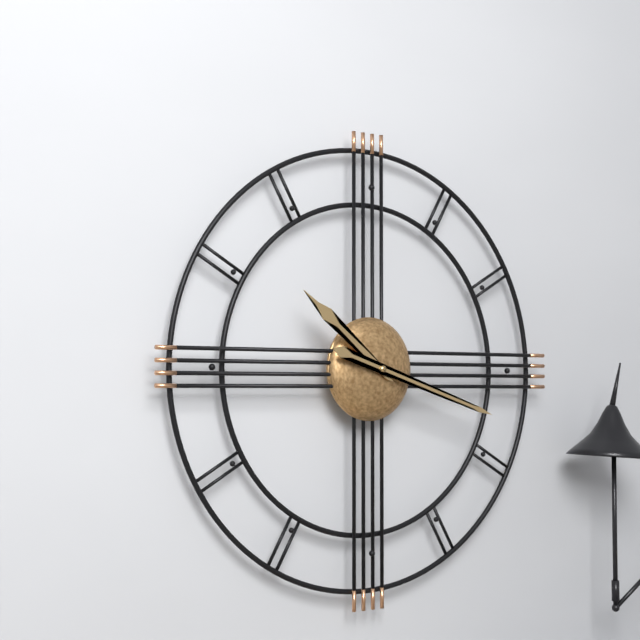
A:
**10:18**
